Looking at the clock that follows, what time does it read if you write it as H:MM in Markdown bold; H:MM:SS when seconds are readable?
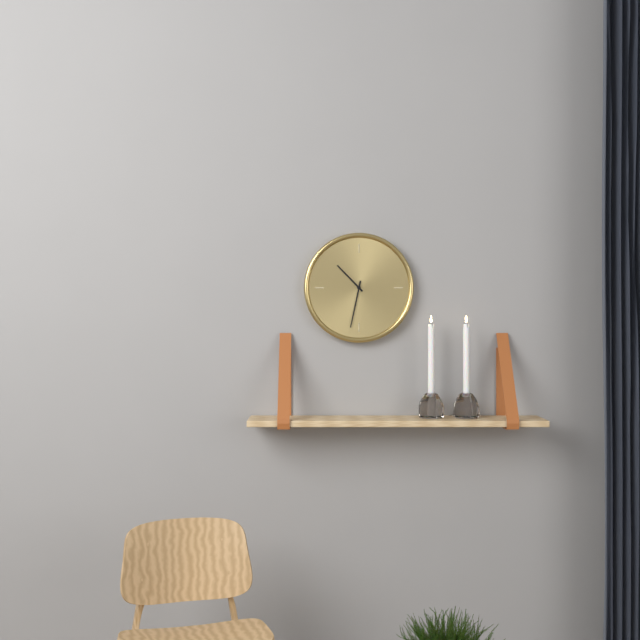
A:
**10:32**
